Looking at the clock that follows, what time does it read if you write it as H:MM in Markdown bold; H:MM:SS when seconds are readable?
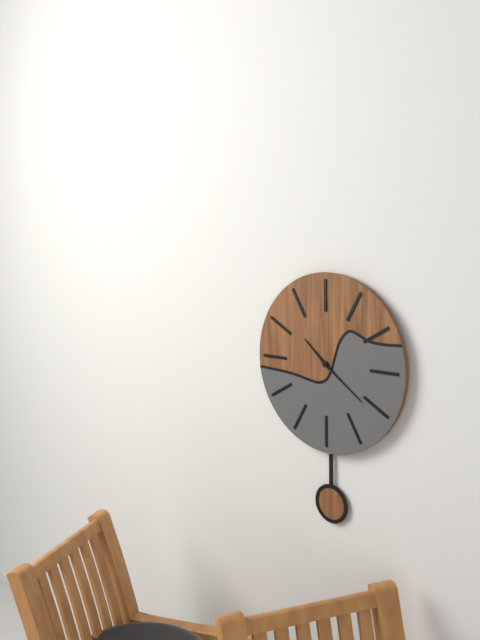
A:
**10:21**
